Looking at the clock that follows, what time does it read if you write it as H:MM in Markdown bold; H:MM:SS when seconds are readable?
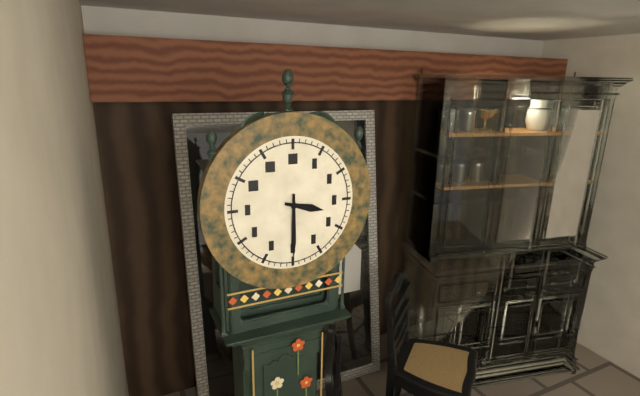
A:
**3:30**
